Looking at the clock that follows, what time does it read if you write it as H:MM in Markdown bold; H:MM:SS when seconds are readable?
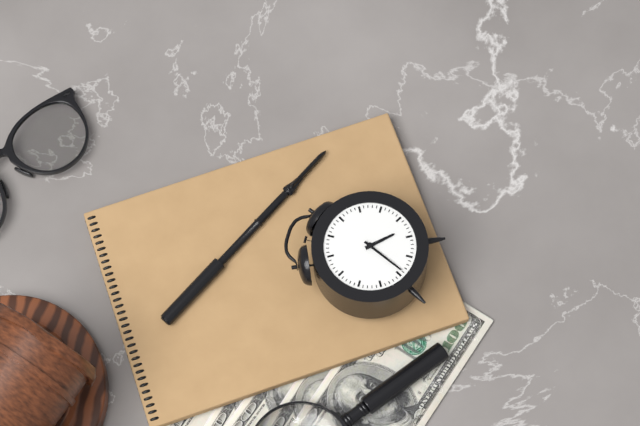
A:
**4:34**
